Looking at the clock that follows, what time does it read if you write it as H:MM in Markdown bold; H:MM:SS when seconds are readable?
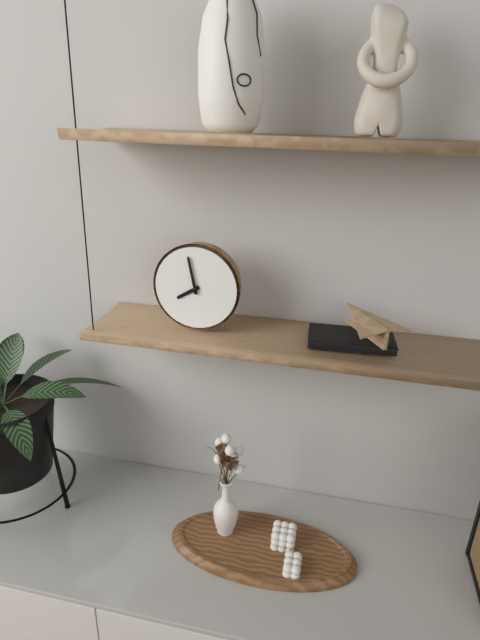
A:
**7:58**
